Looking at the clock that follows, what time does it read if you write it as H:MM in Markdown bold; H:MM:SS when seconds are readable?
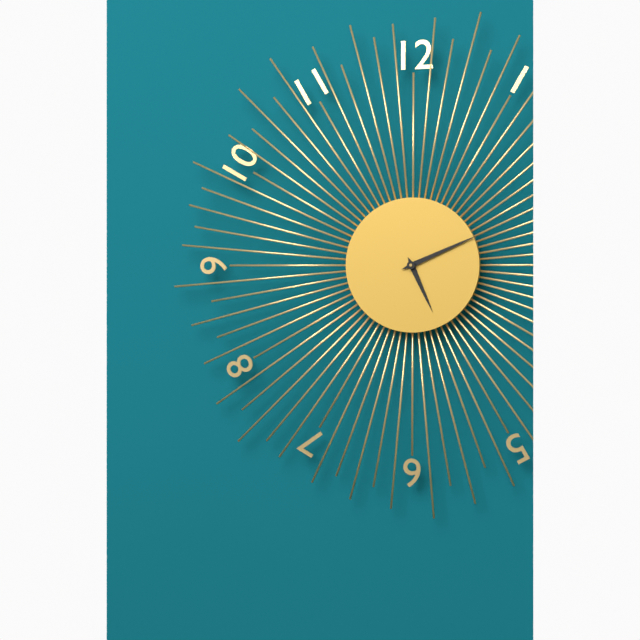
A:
**5:11**
